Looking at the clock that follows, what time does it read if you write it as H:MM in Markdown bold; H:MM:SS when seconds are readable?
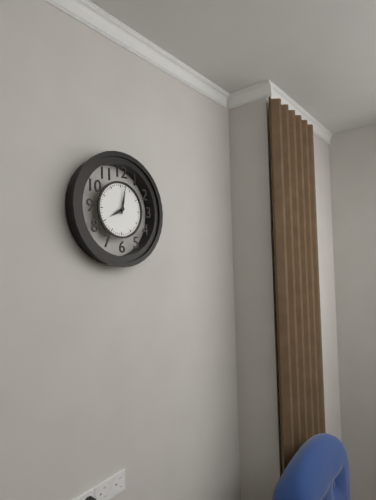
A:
**8:02**
